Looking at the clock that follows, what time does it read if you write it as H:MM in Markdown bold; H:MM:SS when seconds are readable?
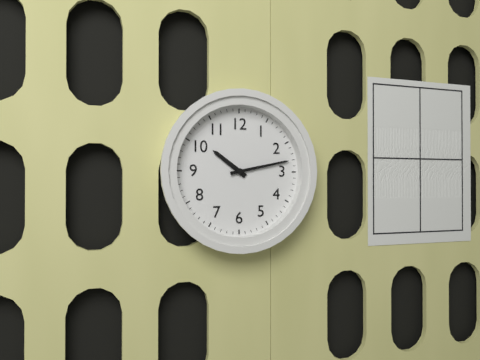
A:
**10:13**
